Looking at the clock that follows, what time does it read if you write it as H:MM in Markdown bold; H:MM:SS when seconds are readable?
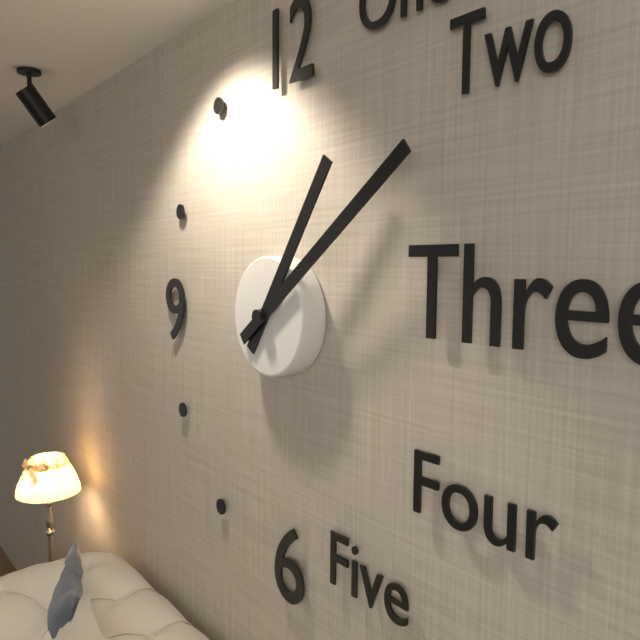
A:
**1:09**
